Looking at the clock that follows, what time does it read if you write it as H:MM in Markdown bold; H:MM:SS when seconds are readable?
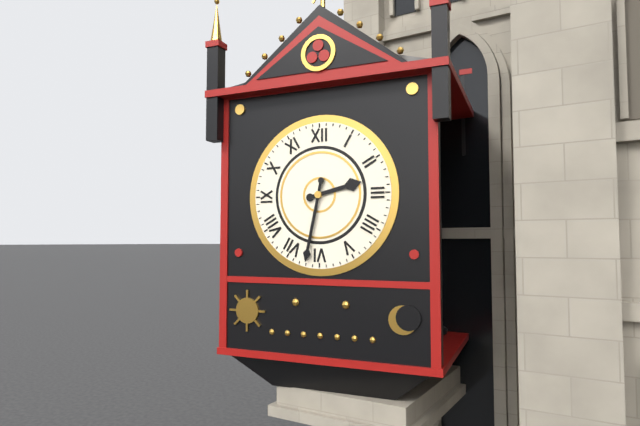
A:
**2:32**
